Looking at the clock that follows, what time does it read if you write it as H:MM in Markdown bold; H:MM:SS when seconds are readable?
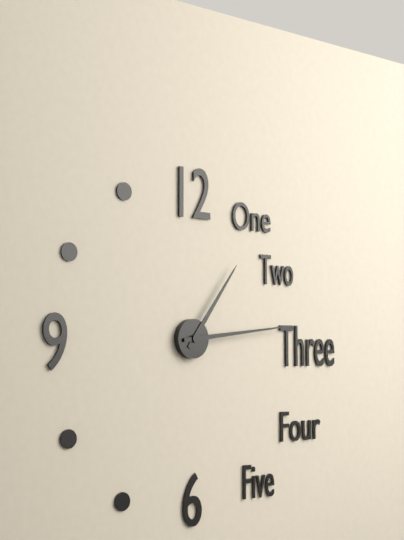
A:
**1:14**
